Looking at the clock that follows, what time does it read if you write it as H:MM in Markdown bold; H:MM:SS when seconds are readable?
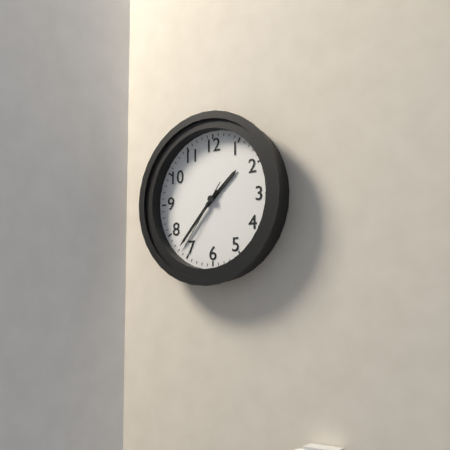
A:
**1:37:36**
